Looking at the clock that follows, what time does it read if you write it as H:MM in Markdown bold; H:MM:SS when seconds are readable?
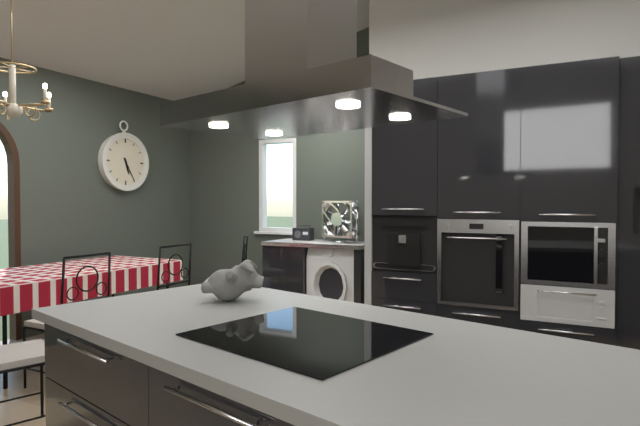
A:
**5:25**
